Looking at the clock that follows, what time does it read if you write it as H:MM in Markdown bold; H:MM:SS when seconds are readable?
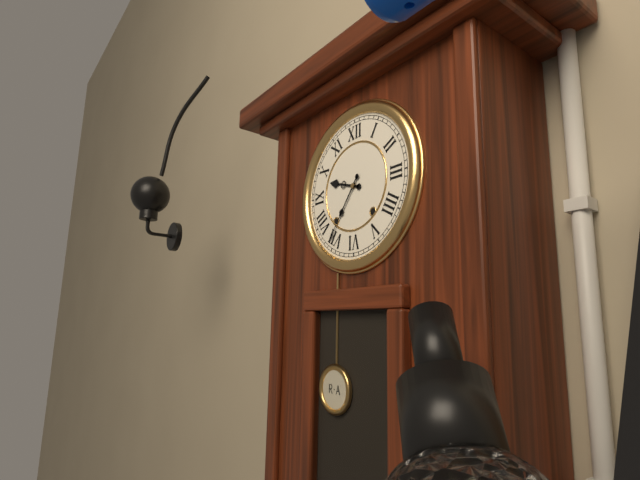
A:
**9:36**
